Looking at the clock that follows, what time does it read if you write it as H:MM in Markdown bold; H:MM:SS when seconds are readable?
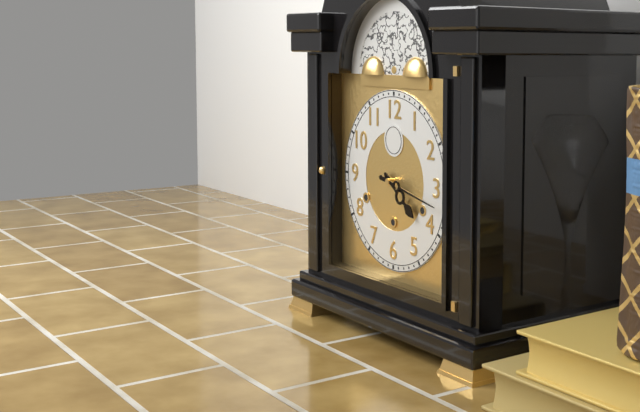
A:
**4:17**
